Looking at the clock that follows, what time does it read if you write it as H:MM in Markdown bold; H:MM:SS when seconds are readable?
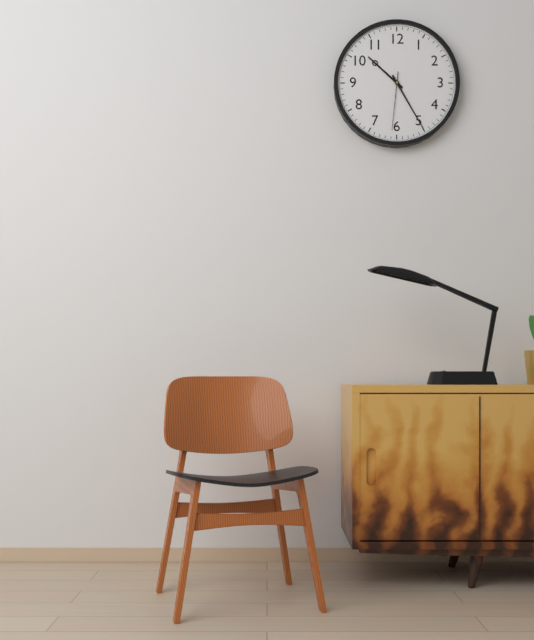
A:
**10:25:31**
